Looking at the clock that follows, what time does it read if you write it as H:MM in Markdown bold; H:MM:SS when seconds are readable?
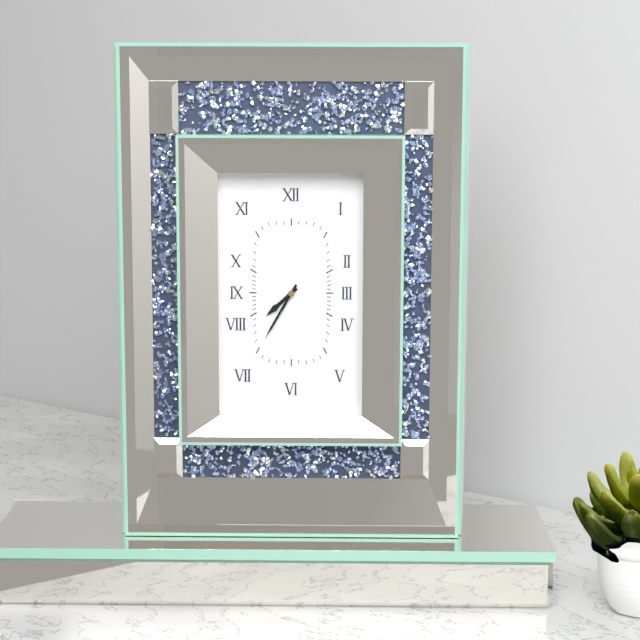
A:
**7:35**
